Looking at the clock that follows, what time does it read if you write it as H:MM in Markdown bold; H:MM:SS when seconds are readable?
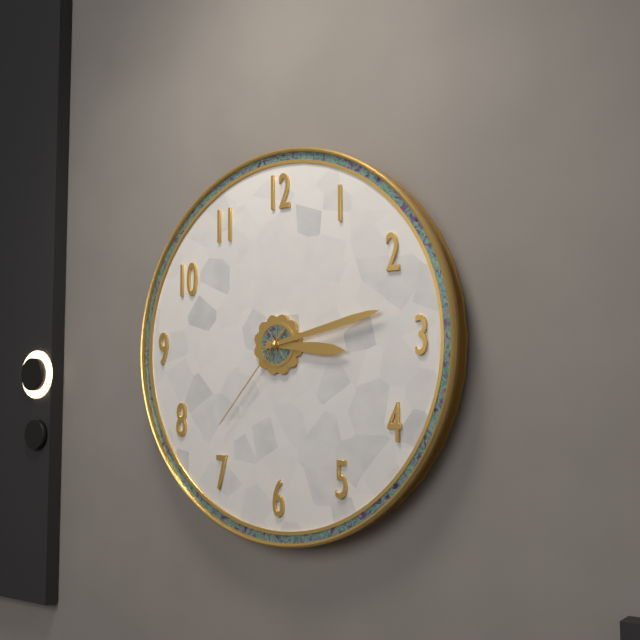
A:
**3:13:37**
